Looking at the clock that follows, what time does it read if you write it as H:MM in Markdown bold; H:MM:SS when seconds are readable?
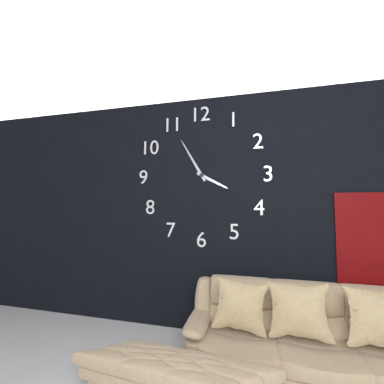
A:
**3:55**
